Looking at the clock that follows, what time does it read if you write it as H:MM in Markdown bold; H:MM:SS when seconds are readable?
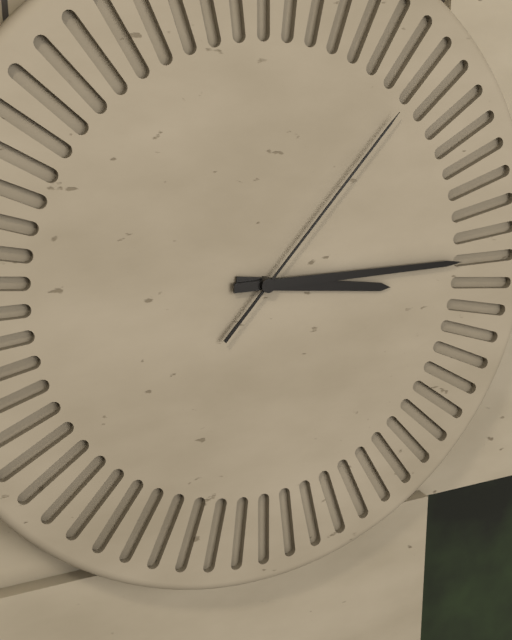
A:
**3:15:07**
